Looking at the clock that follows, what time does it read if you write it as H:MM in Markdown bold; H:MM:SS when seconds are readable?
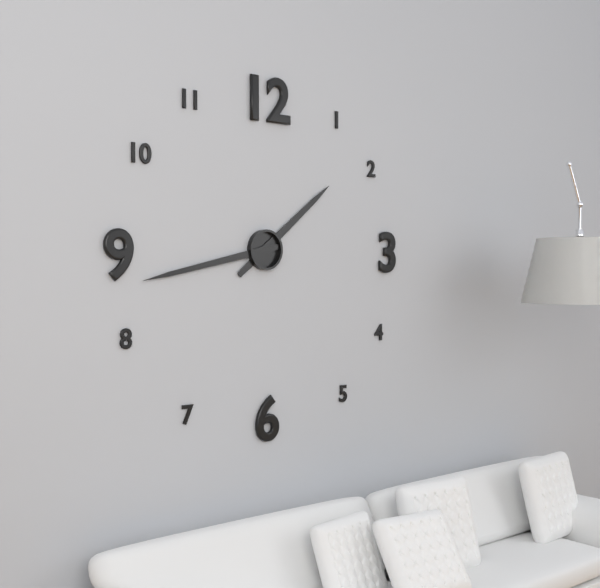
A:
**1:43**
